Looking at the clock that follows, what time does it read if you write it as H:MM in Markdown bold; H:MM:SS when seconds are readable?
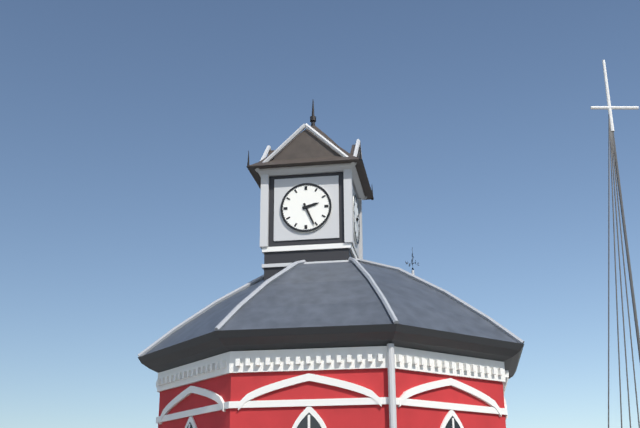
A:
**2:26**
